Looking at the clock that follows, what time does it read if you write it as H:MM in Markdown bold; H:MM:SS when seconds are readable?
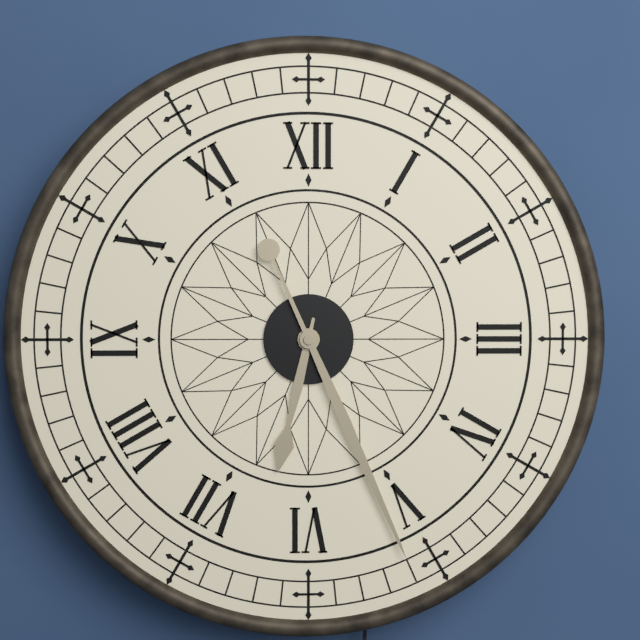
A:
**6:26**
